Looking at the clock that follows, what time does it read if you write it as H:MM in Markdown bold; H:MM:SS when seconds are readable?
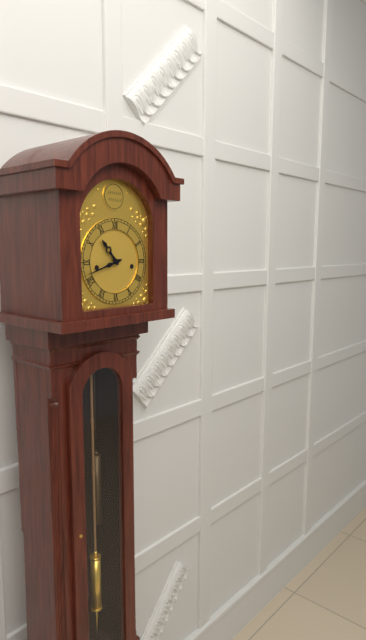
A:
**10:42**
